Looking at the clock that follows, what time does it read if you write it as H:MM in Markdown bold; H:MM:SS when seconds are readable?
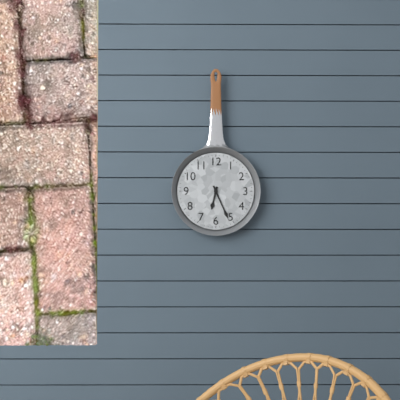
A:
**6:26**
